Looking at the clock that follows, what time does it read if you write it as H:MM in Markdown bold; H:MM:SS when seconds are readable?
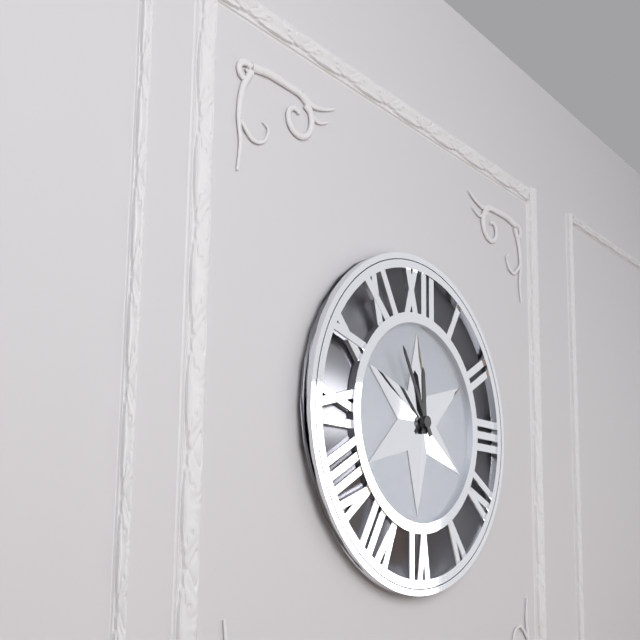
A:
**11:55**
